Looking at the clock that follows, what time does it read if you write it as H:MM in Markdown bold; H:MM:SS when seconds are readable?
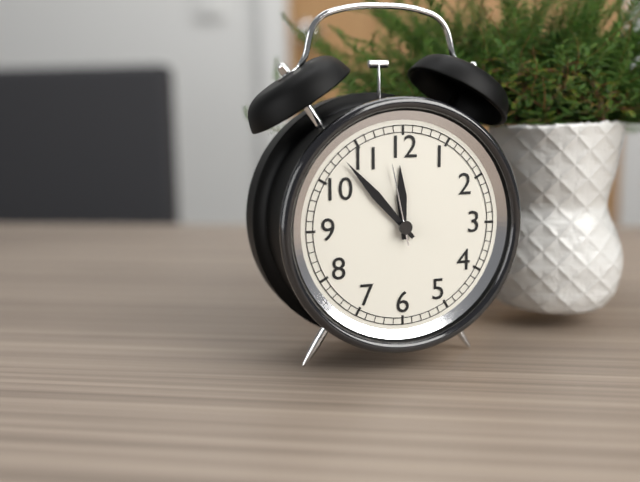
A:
**11:53:58**
